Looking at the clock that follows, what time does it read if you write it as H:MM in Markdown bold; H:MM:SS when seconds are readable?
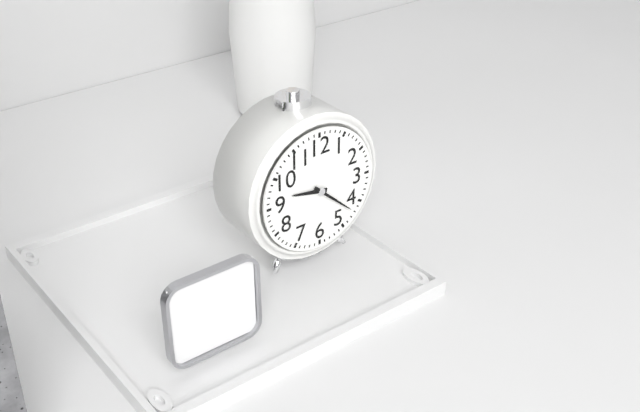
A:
**9:22**
